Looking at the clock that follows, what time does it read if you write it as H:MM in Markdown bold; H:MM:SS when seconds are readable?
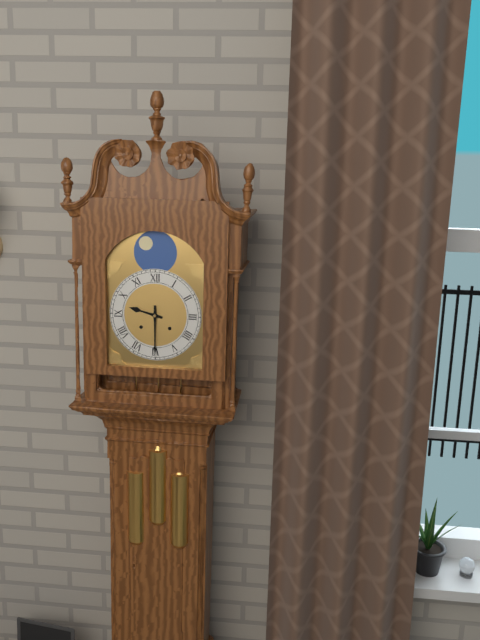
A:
**9:30**
